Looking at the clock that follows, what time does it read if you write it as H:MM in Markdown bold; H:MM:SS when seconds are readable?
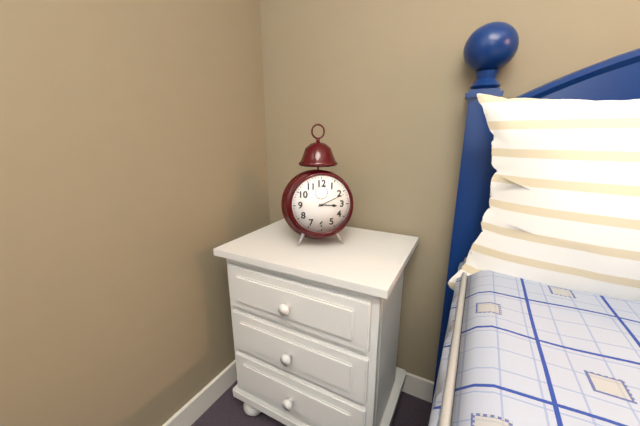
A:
**3:11**
